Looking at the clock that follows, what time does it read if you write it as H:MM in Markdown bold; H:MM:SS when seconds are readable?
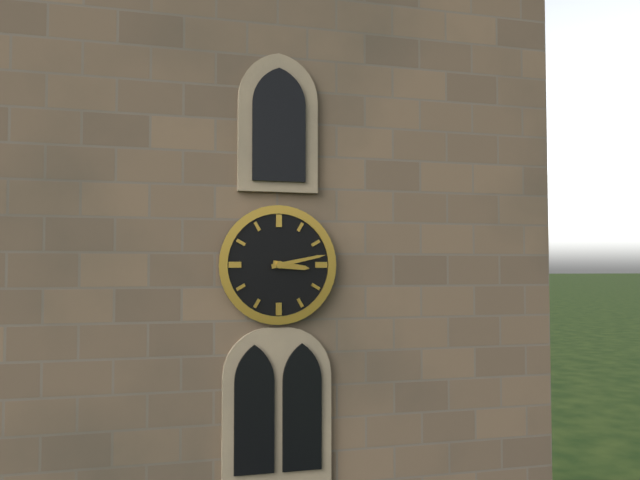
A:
**3:13**
